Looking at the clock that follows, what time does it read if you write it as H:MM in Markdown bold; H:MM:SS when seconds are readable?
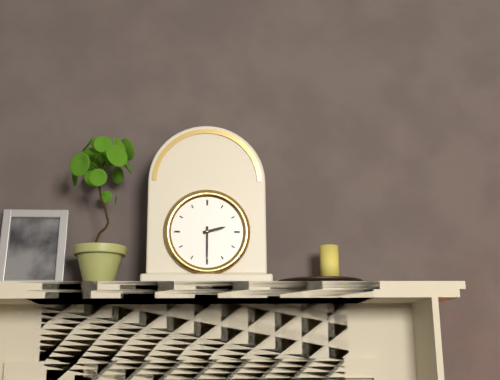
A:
**2:30**
